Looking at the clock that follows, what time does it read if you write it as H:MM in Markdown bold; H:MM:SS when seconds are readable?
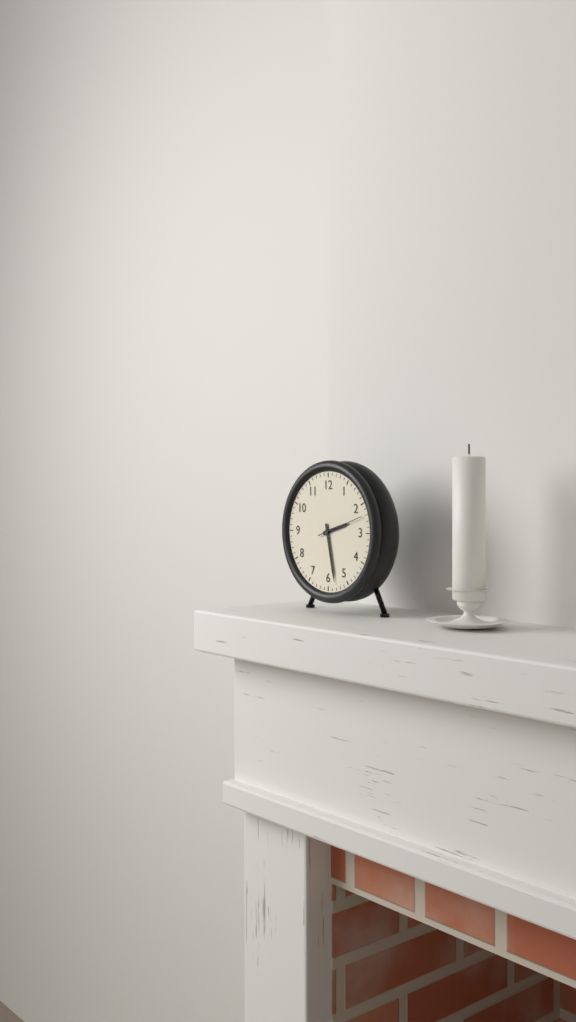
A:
**2:28**
